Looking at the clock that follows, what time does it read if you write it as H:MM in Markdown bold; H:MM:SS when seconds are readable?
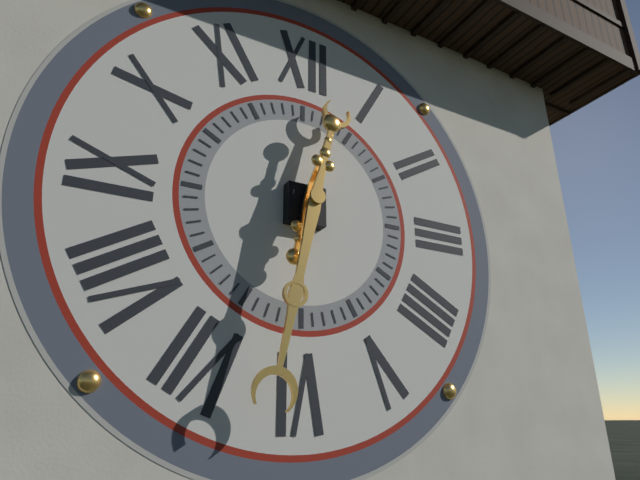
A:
**12:32**
